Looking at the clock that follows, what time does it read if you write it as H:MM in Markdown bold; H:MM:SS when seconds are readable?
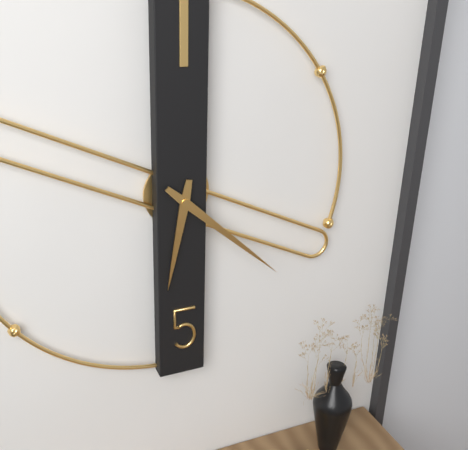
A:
**6:22**
